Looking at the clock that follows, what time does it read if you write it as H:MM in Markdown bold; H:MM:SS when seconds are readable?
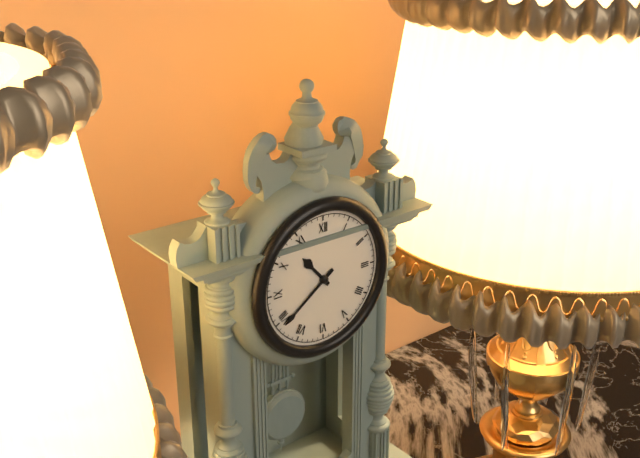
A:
**10:39**
